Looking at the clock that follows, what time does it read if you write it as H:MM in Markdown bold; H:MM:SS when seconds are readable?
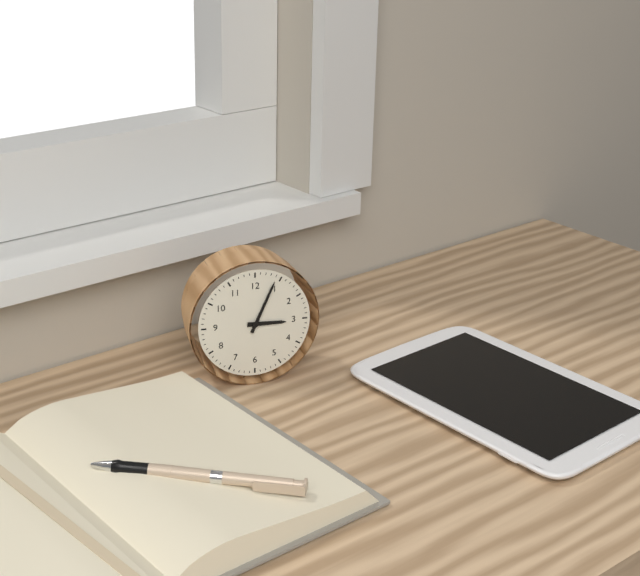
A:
**3:04**
